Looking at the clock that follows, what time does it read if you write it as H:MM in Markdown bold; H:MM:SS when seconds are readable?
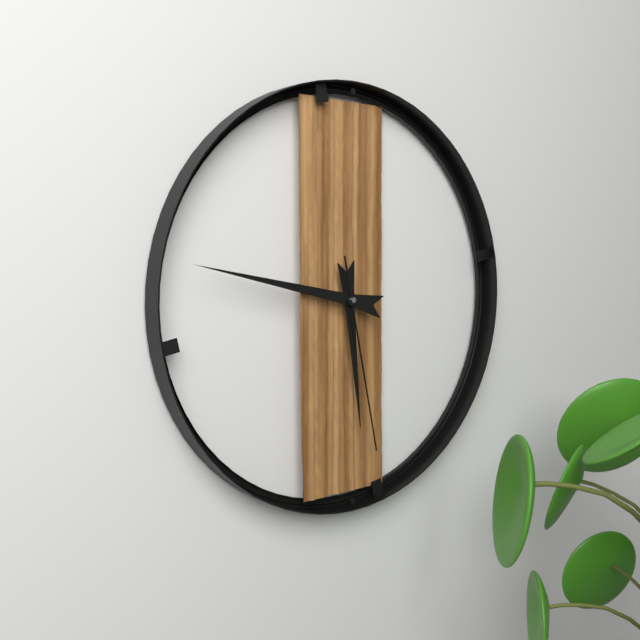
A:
**5:47:28**
